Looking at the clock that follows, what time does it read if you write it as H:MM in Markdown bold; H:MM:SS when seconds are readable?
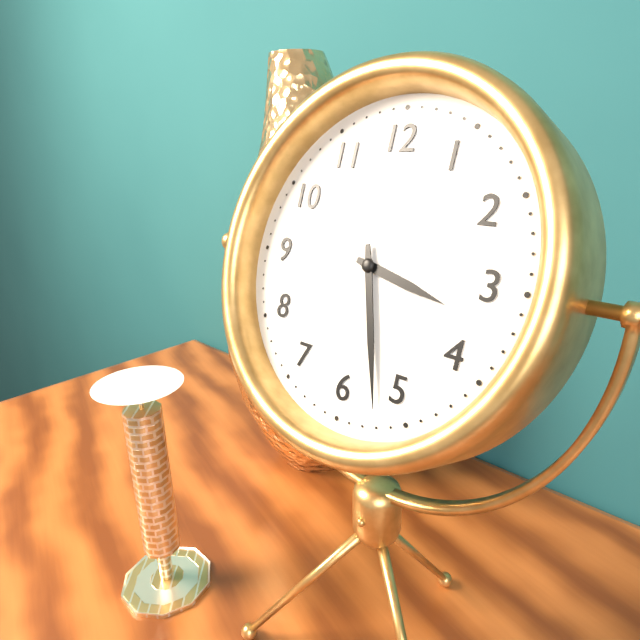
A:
**3:27**
